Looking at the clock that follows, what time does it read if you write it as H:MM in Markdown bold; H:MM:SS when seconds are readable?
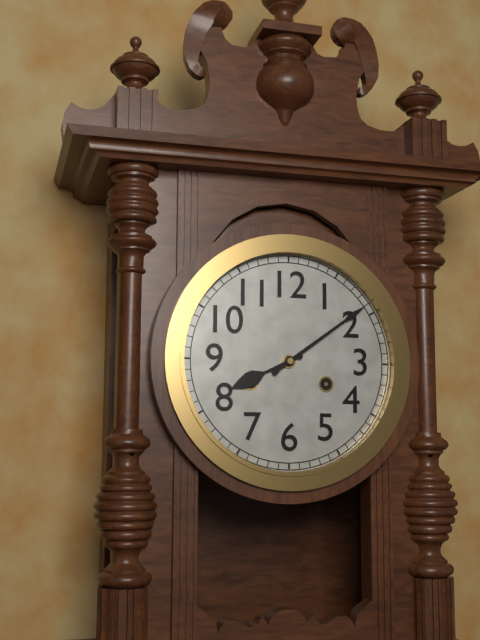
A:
**8:09**
